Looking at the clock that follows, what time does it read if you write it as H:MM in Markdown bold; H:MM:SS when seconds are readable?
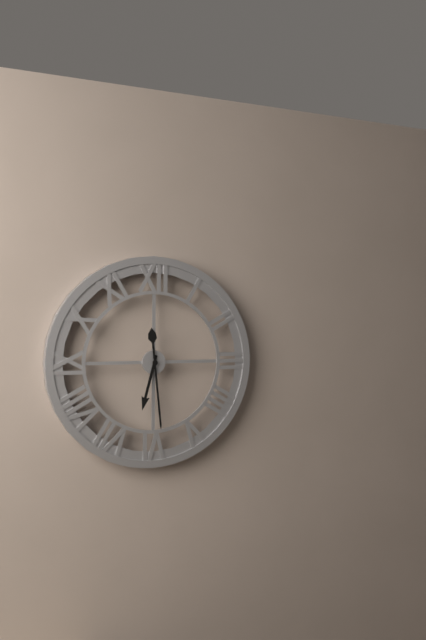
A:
**6:29**
